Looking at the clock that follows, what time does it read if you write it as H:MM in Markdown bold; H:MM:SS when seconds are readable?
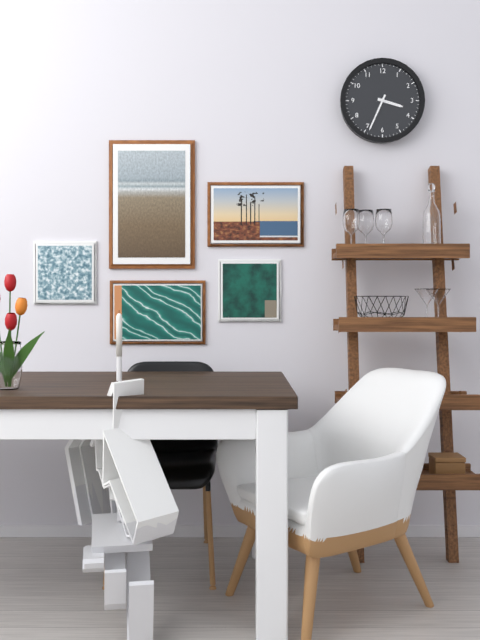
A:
**3:34**
